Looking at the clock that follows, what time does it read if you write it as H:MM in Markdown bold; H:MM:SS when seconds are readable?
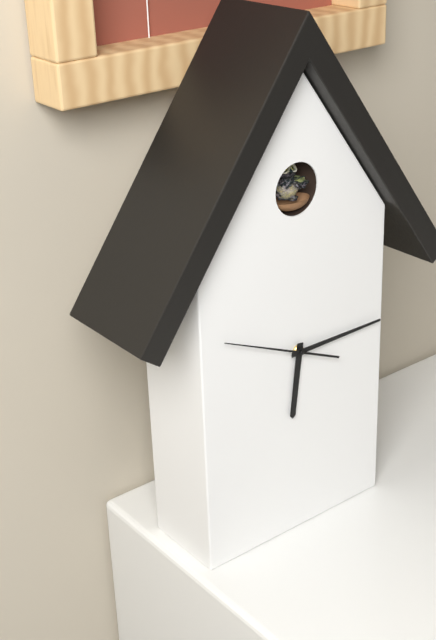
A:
**6:15:49**
